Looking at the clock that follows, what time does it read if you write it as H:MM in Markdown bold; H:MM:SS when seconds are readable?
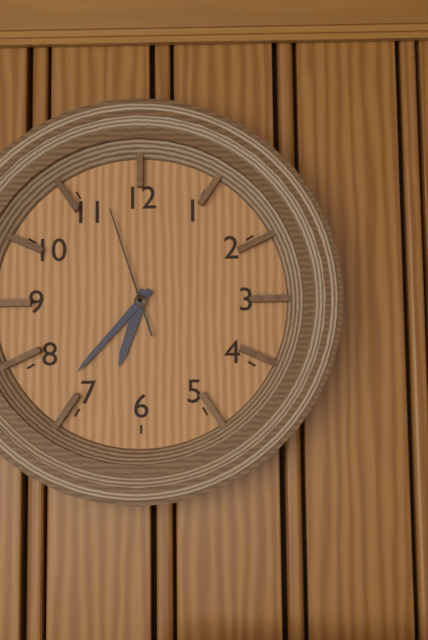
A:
**6:37:57**
